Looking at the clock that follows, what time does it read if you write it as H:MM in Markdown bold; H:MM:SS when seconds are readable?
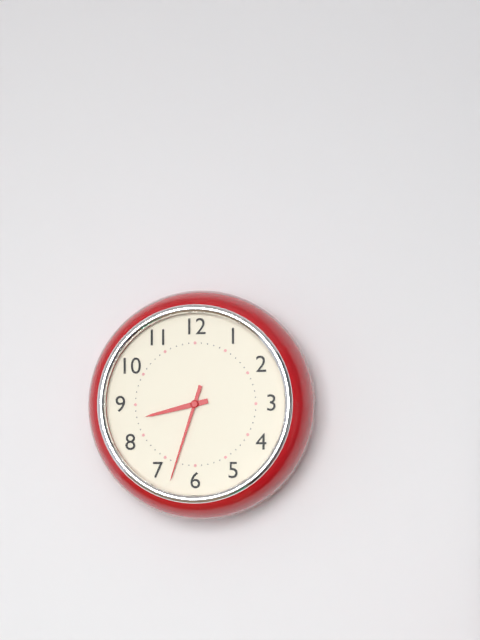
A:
**8:33**
